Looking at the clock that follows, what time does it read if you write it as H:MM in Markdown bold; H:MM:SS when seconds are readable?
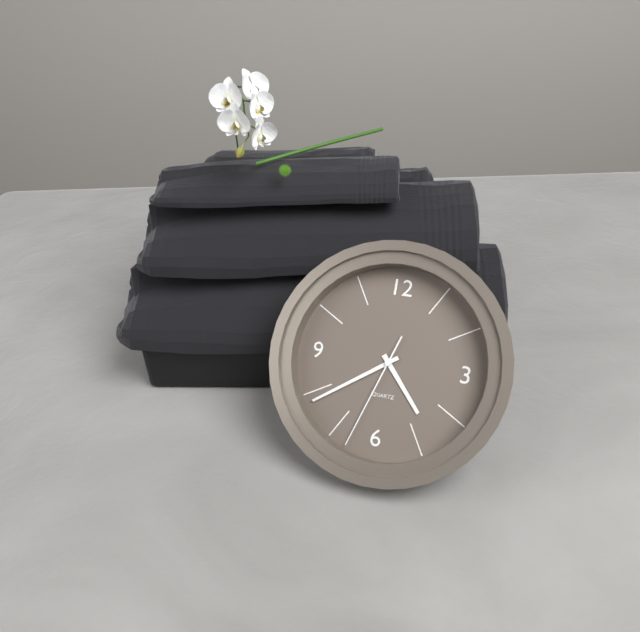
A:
**4:39:33**
